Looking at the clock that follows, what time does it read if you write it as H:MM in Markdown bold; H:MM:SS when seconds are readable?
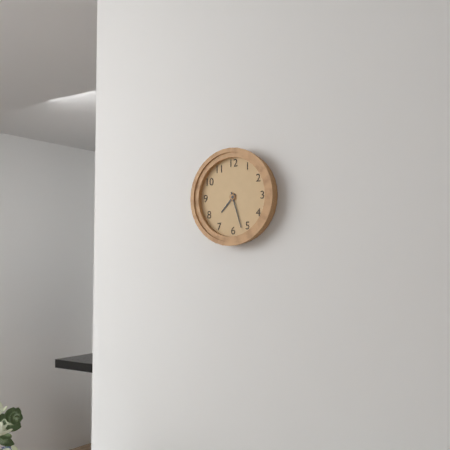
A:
**7:27**
